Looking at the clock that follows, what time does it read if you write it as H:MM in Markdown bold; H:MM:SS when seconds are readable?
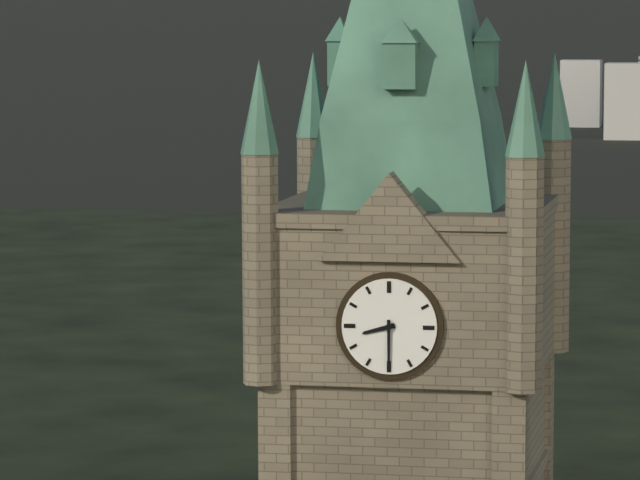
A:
**8:30**
